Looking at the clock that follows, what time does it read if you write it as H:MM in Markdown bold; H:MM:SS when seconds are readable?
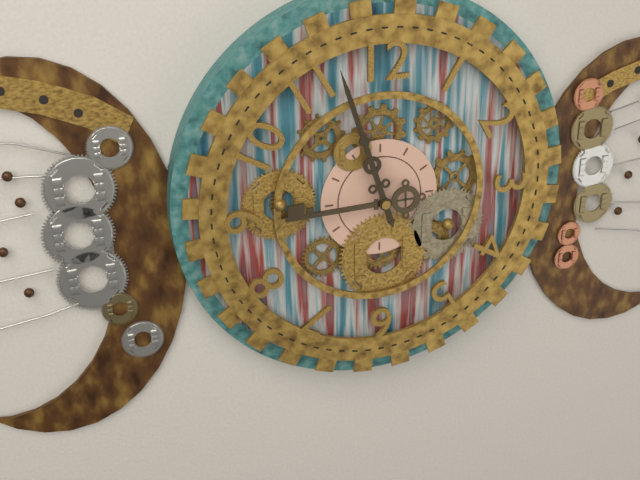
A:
**8:57**
